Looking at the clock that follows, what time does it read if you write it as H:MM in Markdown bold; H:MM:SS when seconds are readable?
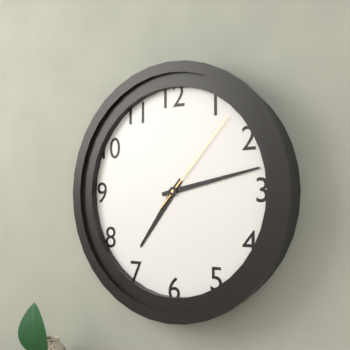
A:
**7:13:07**
